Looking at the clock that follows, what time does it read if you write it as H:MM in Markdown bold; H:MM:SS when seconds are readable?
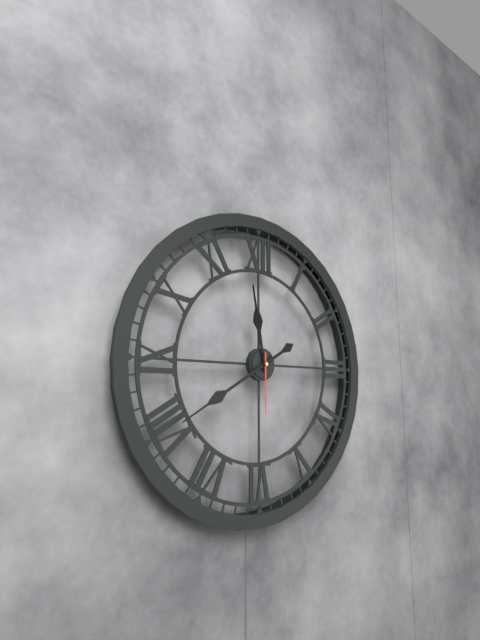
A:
**11:40:30**
